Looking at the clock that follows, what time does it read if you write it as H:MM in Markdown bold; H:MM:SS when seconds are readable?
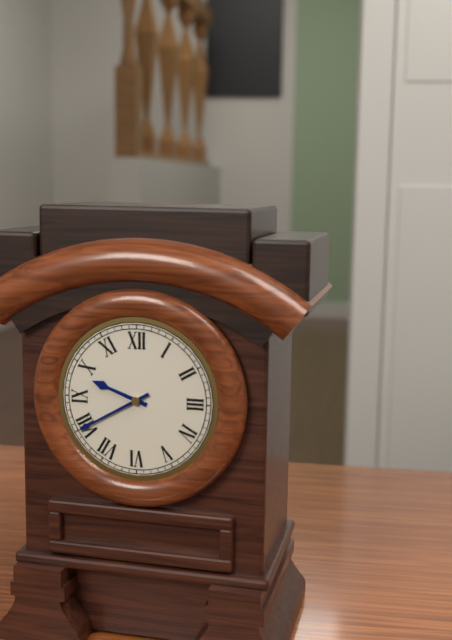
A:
**9:40**
